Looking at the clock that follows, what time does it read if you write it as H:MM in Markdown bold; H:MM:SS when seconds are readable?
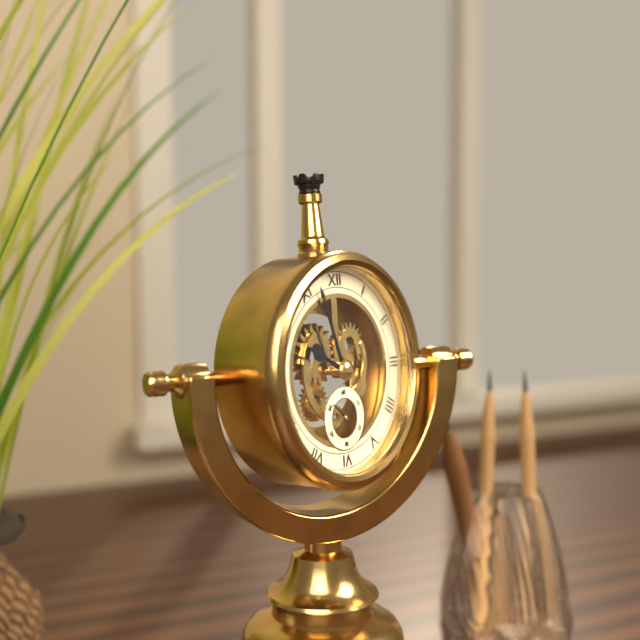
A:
**9:57**
